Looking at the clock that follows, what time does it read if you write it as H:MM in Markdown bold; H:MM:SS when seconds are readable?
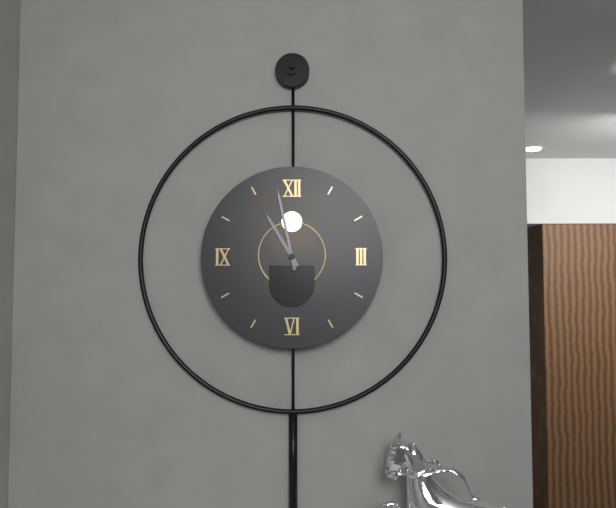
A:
**10:58**
